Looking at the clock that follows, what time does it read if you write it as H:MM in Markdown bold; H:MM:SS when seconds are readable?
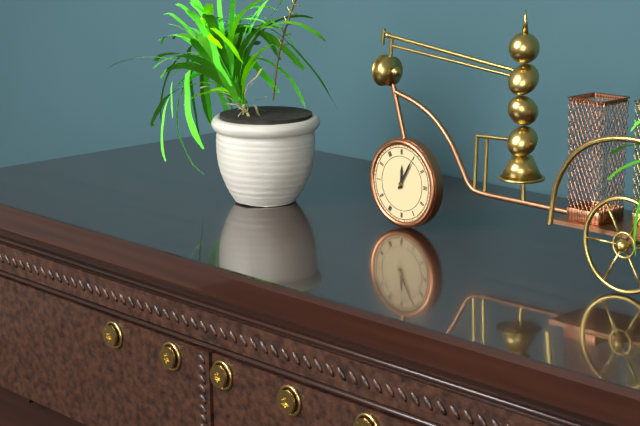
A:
**12:05**
